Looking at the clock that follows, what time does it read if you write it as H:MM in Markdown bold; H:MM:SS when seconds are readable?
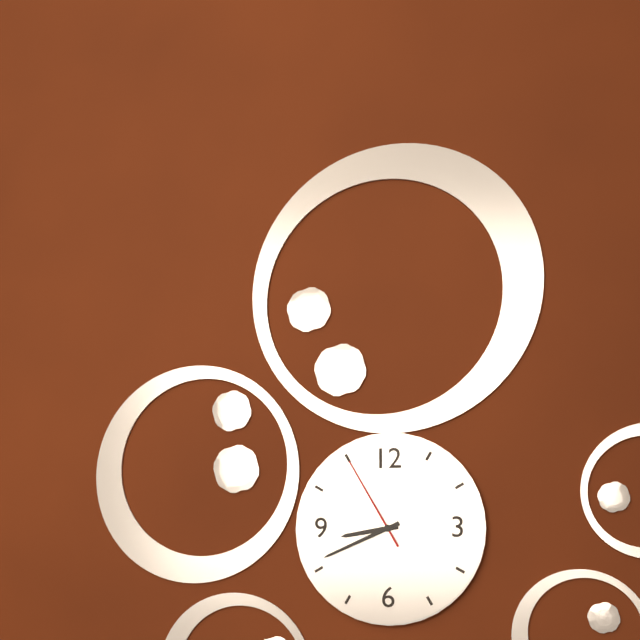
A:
**8:41:55**
